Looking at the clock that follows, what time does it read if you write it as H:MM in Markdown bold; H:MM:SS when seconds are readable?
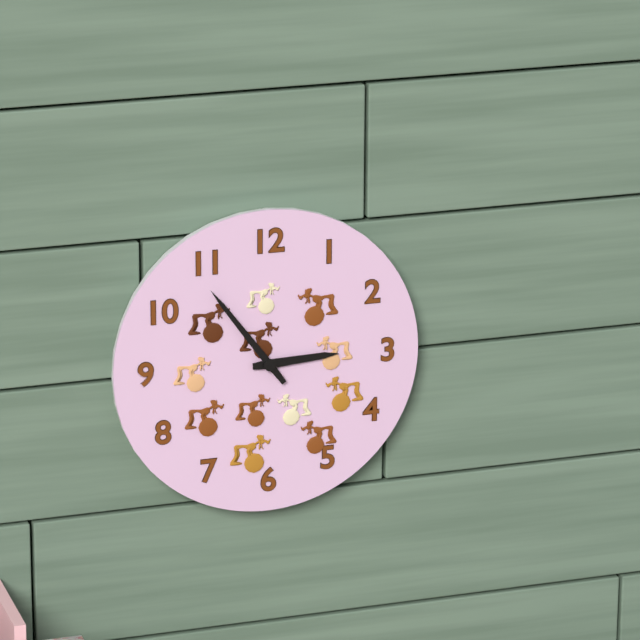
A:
**2:54**
